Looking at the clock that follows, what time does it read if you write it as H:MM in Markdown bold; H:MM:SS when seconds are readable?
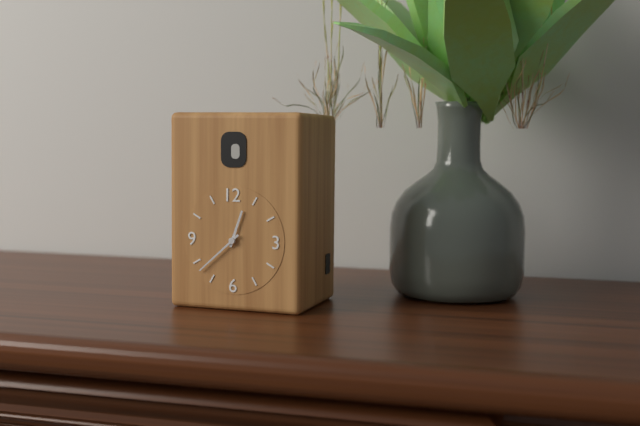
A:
**12:38**
